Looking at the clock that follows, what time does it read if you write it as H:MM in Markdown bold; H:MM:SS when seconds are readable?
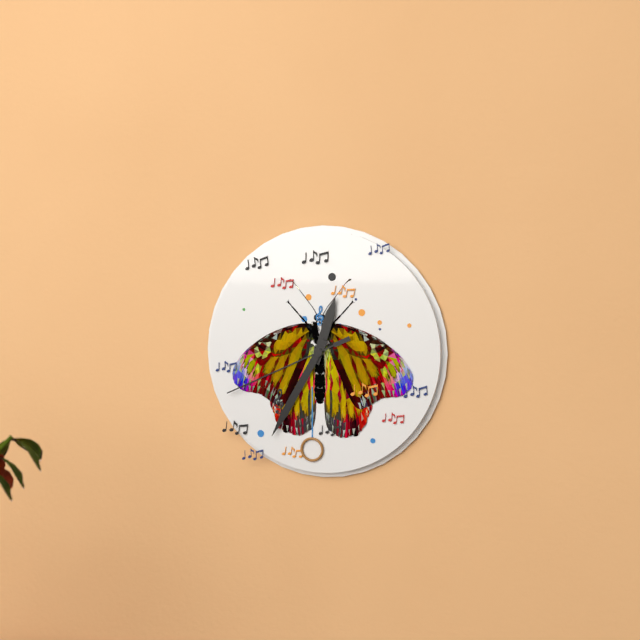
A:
**12:35:41**
